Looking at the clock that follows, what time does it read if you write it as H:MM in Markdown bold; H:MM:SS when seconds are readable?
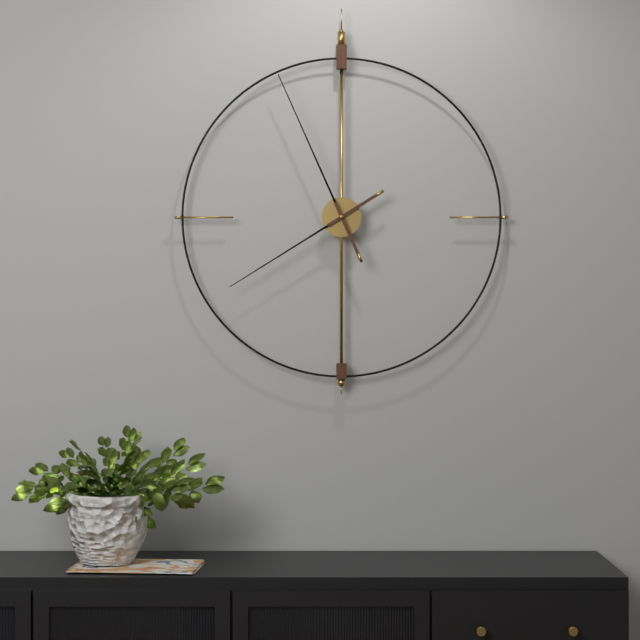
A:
**7:56**
